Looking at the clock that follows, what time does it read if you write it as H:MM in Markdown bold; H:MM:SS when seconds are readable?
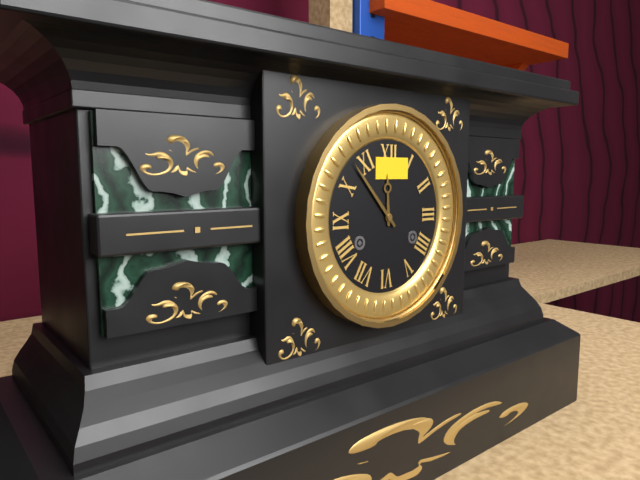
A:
**11:53**
